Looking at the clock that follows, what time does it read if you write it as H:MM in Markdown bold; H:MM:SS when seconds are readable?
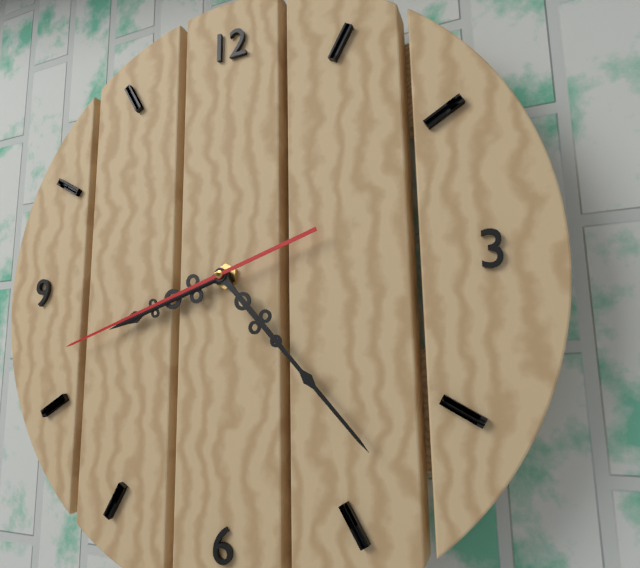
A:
**8:23:42**
